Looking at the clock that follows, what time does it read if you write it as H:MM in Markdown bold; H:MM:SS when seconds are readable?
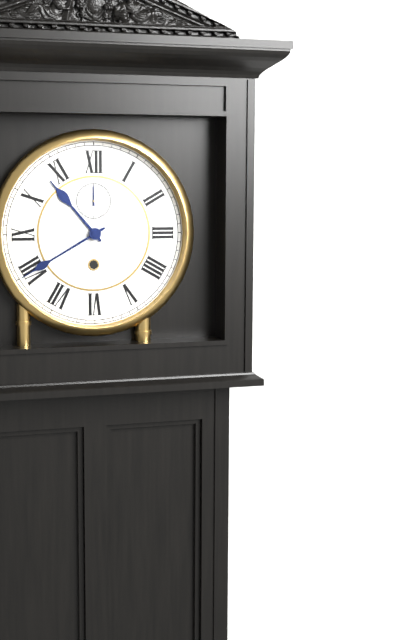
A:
**10:40**
